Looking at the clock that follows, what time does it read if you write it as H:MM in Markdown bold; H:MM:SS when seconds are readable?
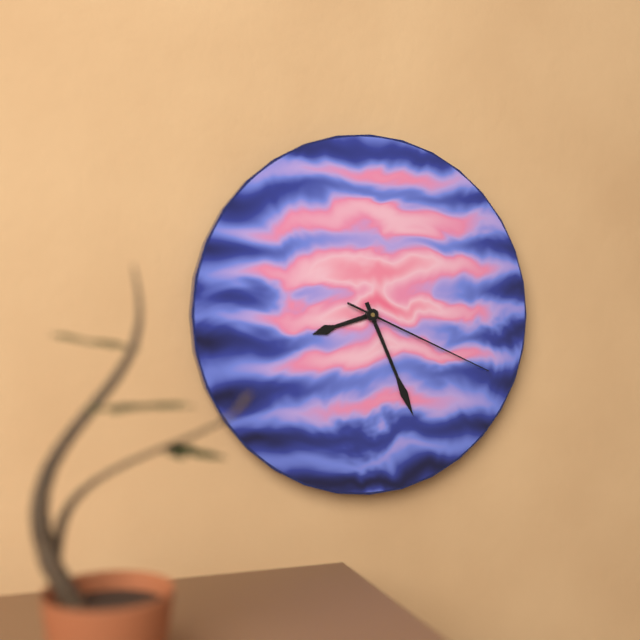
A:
**8:26:19**
